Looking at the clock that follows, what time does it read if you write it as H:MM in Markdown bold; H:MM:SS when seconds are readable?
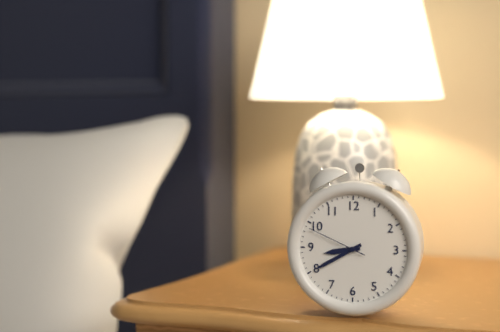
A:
**8:40:49**
